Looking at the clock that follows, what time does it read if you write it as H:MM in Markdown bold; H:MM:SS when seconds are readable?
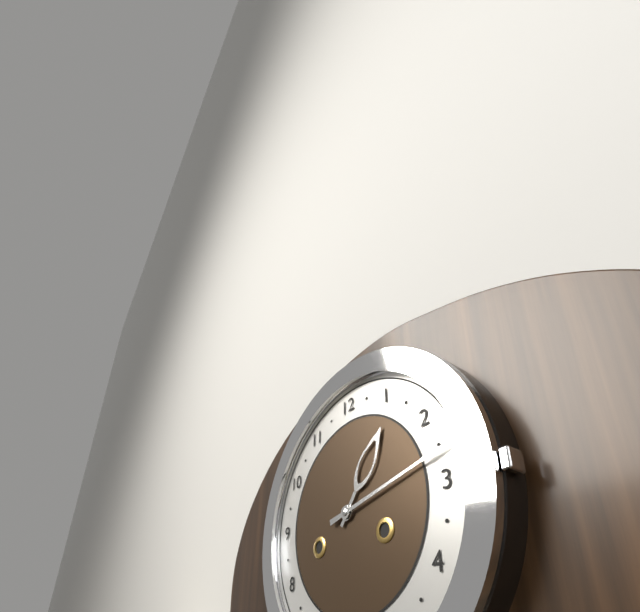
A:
**1:13**
